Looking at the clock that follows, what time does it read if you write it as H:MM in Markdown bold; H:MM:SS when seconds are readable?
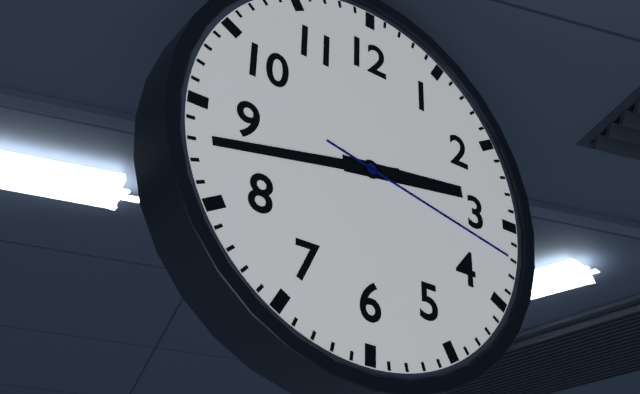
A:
**2:43:17**
